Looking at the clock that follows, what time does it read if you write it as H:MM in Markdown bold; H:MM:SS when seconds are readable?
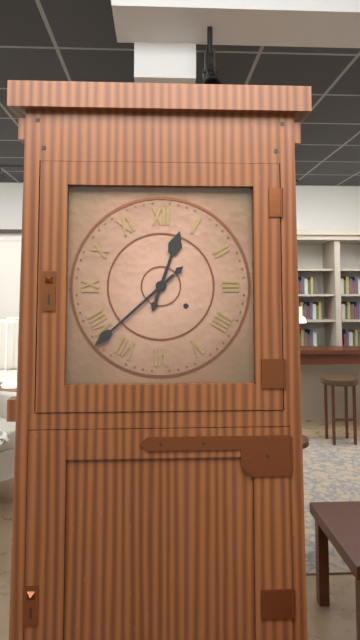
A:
**12:38**
